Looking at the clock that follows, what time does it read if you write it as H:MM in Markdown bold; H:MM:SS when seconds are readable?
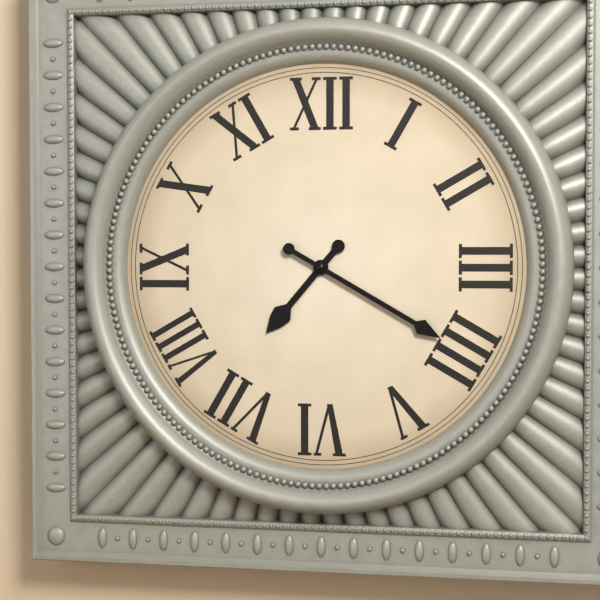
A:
**7:20**
